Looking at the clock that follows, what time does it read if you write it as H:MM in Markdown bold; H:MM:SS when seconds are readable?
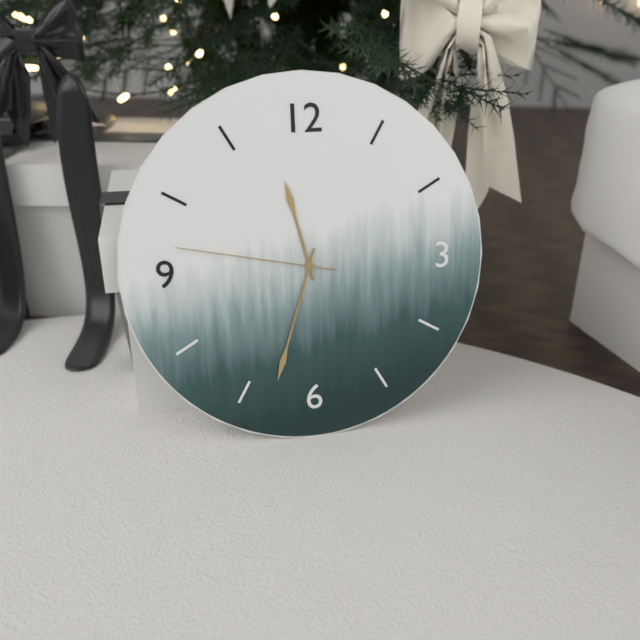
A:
**11:33:47**
